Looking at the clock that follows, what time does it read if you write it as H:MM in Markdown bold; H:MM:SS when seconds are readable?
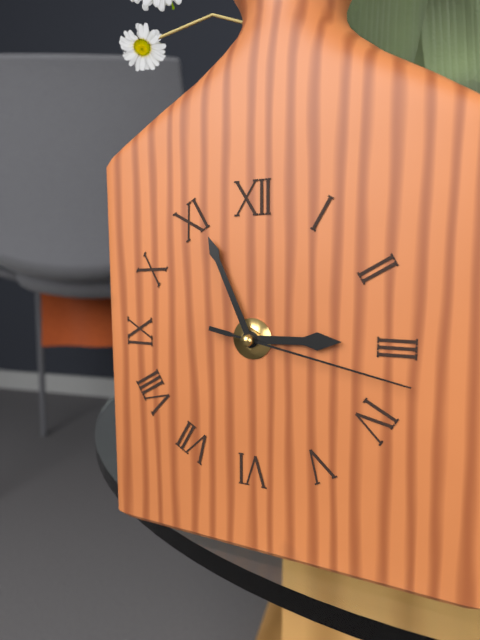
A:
**2:56:17**
